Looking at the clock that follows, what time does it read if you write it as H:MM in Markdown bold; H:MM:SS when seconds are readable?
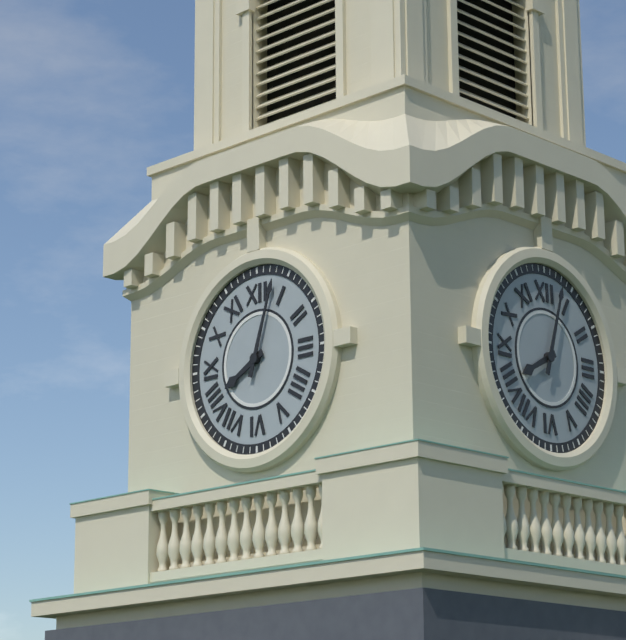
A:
**8:03**
